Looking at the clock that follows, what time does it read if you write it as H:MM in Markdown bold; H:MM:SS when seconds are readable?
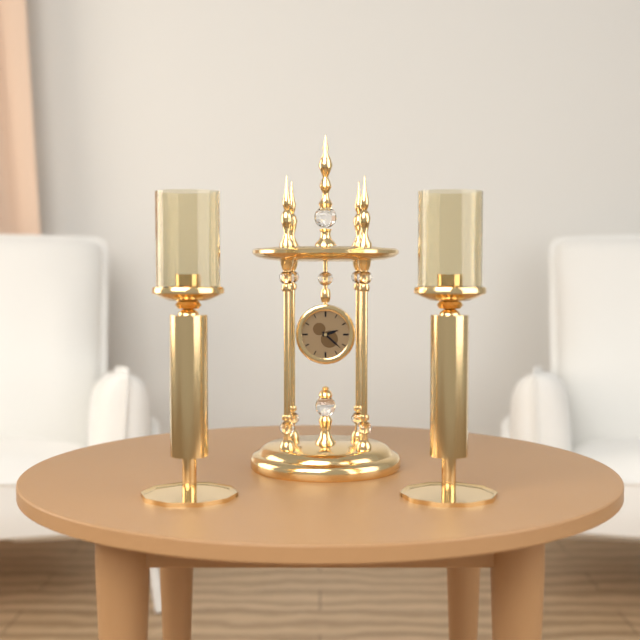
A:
**2:22**
